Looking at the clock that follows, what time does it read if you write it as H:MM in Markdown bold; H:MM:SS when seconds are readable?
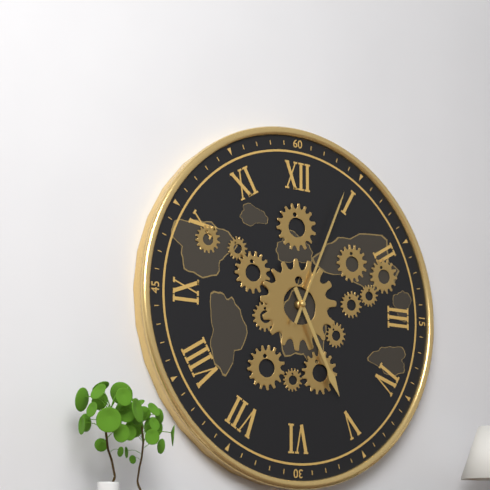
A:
**5:04**
